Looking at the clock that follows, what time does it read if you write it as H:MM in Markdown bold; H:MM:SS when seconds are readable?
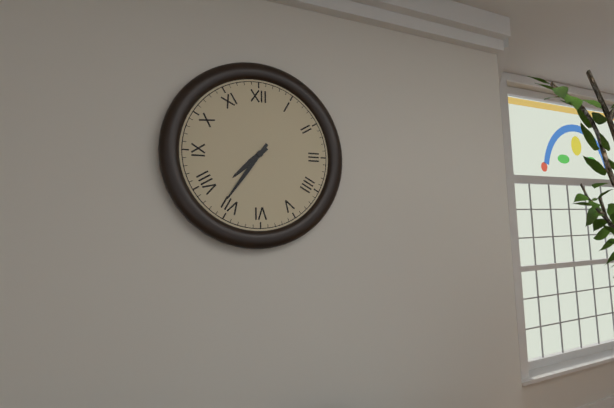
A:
**7:36**
